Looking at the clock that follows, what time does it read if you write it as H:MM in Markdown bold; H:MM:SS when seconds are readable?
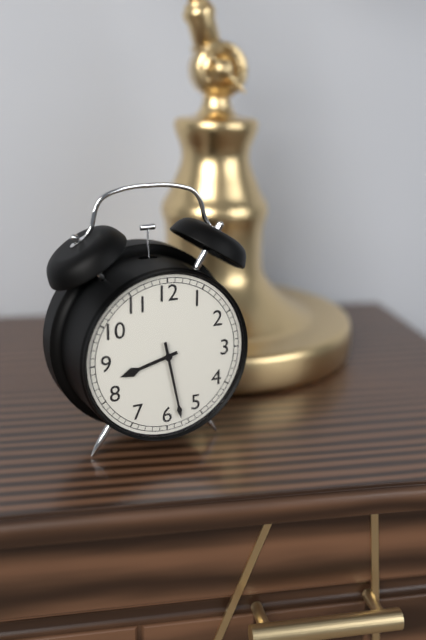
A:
**8:28**
